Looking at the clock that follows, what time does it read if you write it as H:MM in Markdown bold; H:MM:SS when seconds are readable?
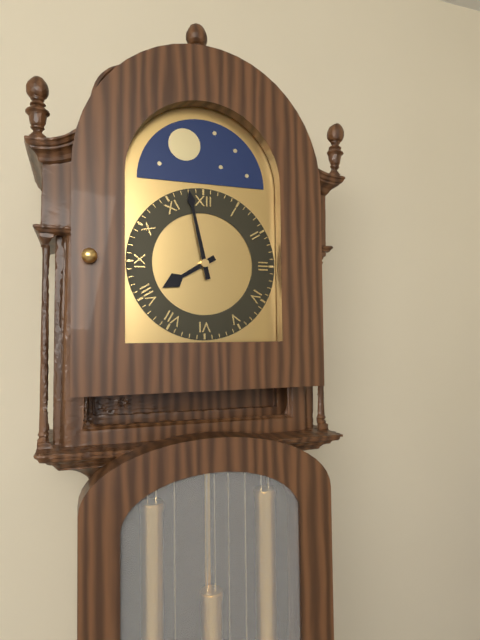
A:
**7:58**
